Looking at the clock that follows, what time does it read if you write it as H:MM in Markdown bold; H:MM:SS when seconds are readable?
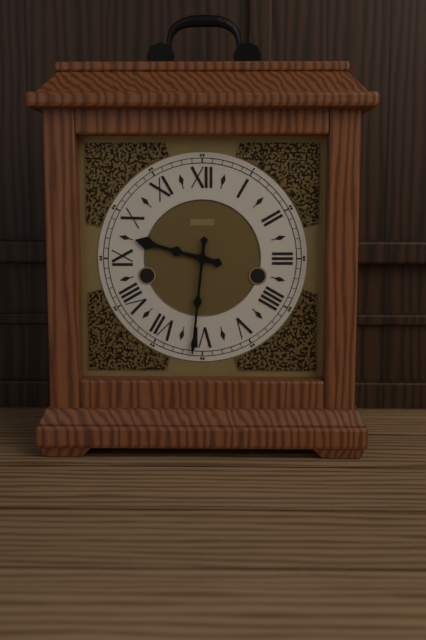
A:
**9:31**
